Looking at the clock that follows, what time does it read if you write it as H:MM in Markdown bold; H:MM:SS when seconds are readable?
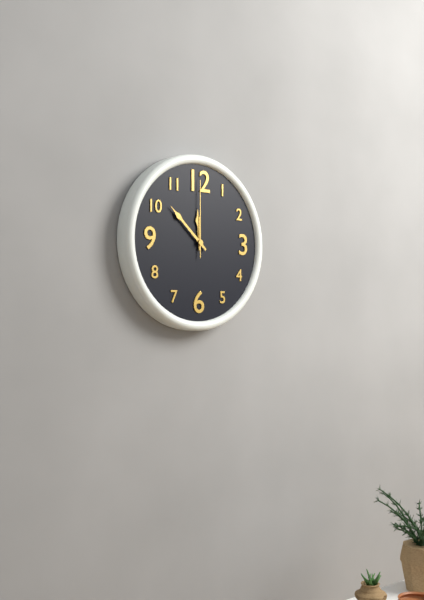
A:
**11:52:00**
